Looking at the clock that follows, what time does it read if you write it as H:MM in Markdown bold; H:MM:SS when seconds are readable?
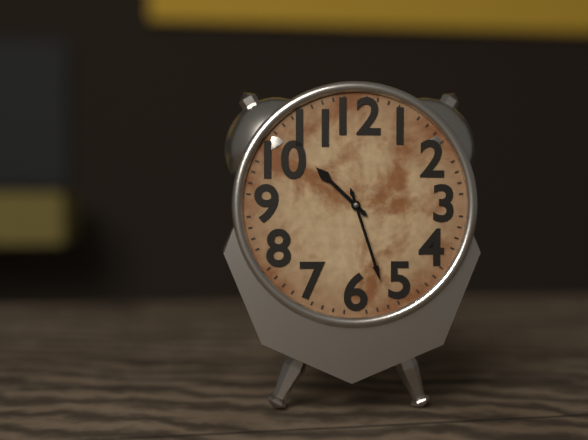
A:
**10:27**
